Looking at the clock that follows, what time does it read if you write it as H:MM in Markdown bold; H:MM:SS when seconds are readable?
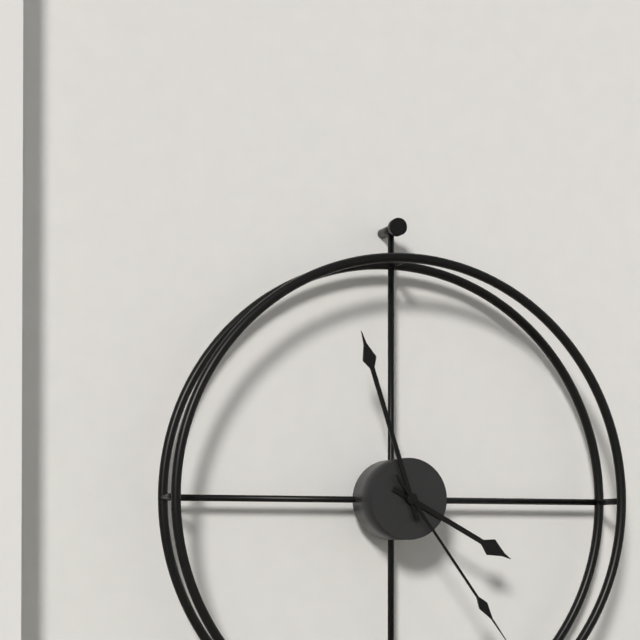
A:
**3:57**
